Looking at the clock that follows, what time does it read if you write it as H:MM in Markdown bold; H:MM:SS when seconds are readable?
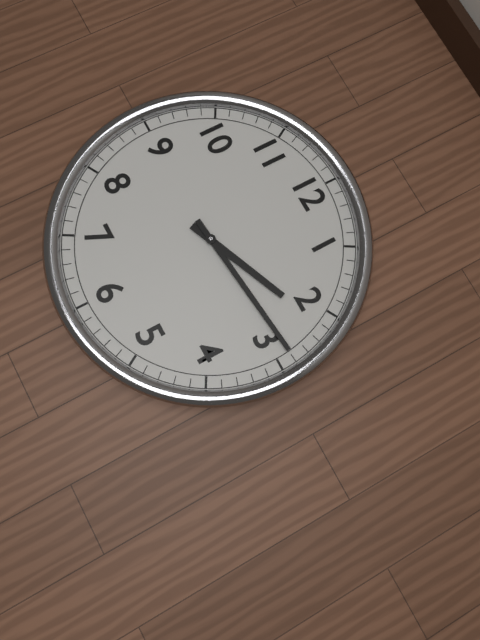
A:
**2:14**
